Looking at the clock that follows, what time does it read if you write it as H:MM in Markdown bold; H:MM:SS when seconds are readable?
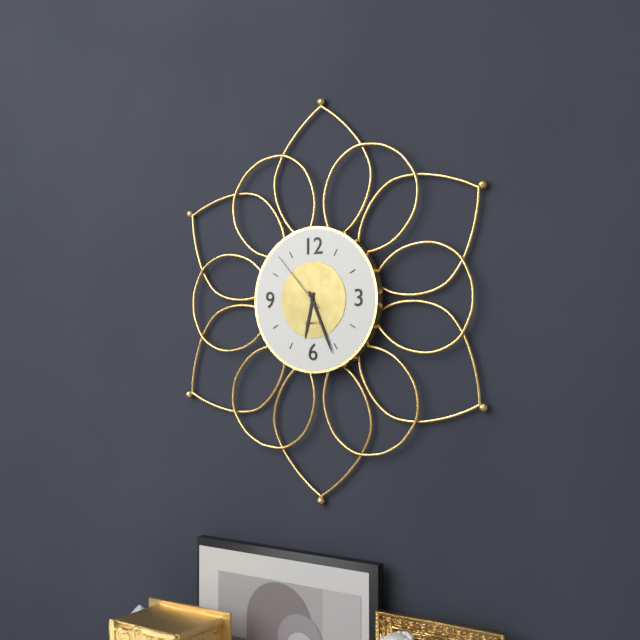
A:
**6:26:53**
